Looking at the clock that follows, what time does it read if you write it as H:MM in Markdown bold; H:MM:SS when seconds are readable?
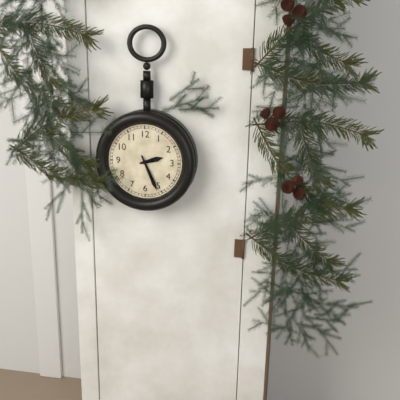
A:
**2:26**
